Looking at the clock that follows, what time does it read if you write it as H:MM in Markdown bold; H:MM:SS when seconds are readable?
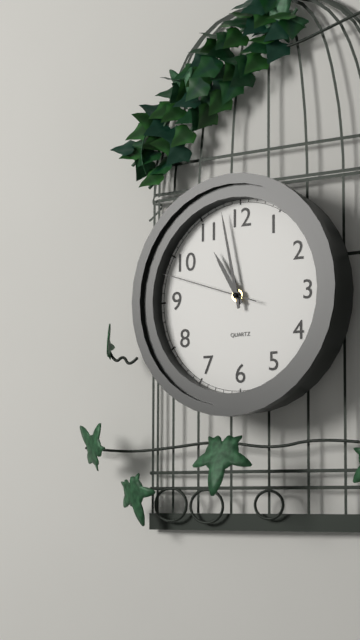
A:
**10:58:48**
